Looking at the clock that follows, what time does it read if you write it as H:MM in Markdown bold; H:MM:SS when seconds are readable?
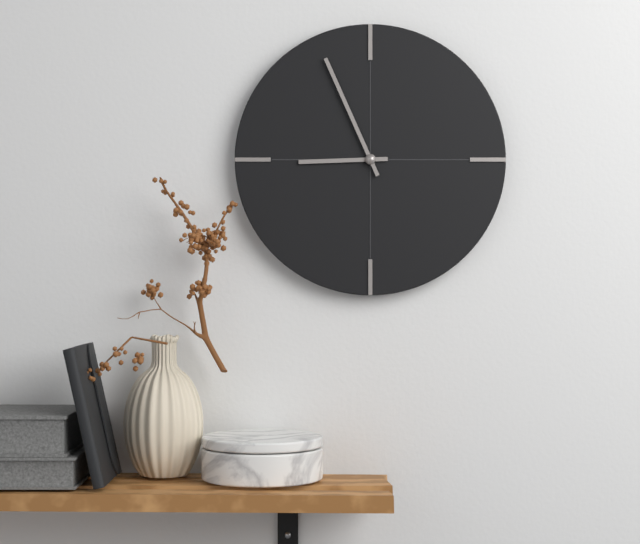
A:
**8:56**
